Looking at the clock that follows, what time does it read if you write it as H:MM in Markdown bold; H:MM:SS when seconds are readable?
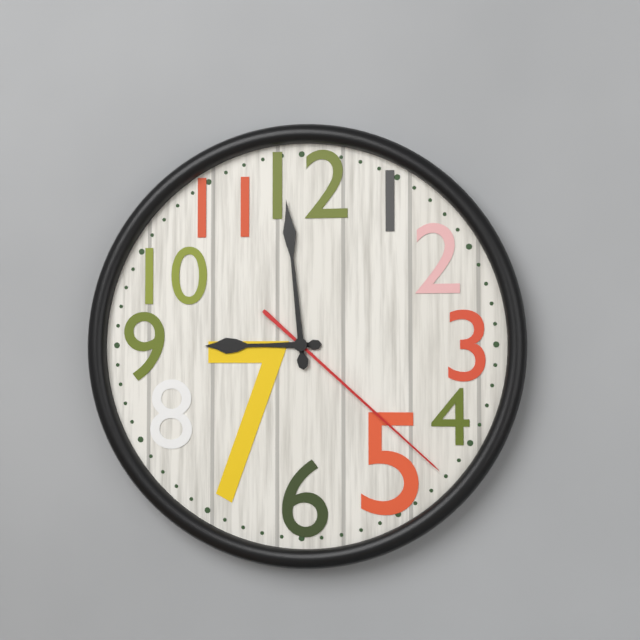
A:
**8:59:22**
